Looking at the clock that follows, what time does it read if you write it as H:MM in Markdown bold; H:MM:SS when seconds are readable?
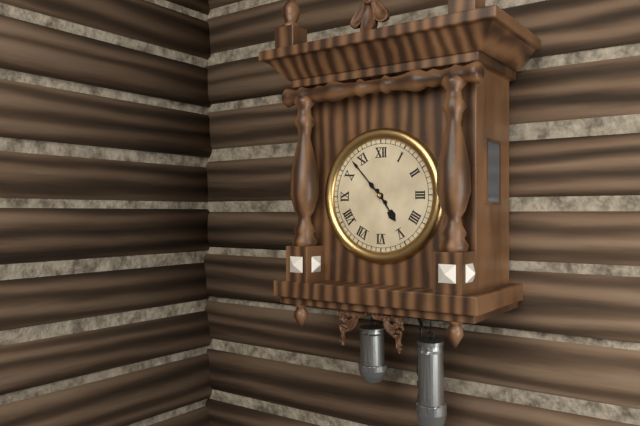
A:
**4:53**
